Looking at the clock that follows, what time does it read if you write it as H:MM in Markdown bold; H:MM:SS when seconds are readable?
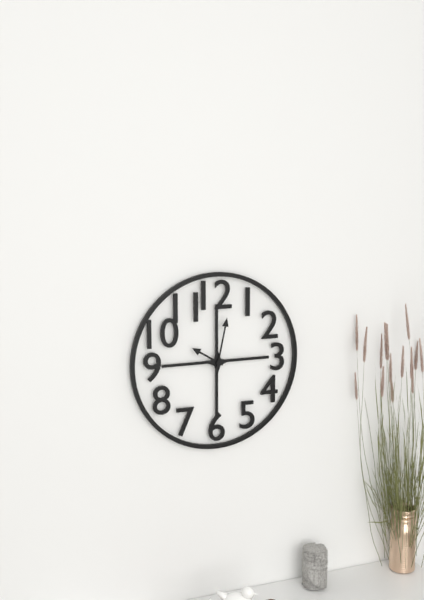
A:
**10:02**
